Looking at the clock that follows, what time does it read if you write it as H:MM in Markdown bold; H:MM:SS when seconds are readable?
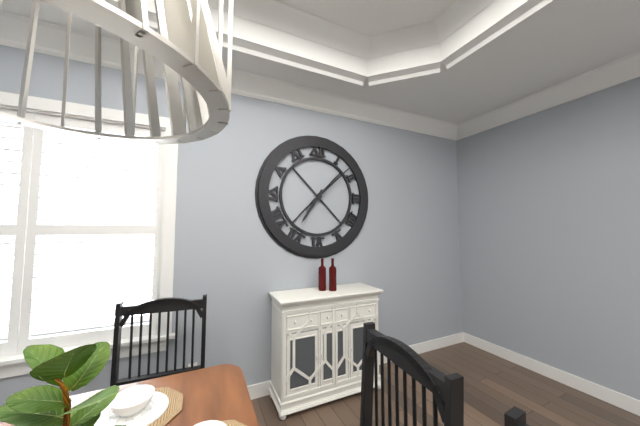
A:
**7:08**
